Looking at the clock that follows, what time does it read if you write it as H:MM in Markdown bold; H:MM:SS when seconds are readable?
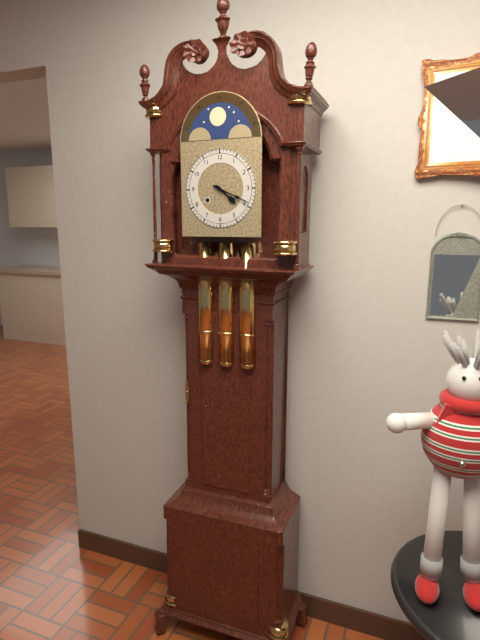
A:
**4:19**
